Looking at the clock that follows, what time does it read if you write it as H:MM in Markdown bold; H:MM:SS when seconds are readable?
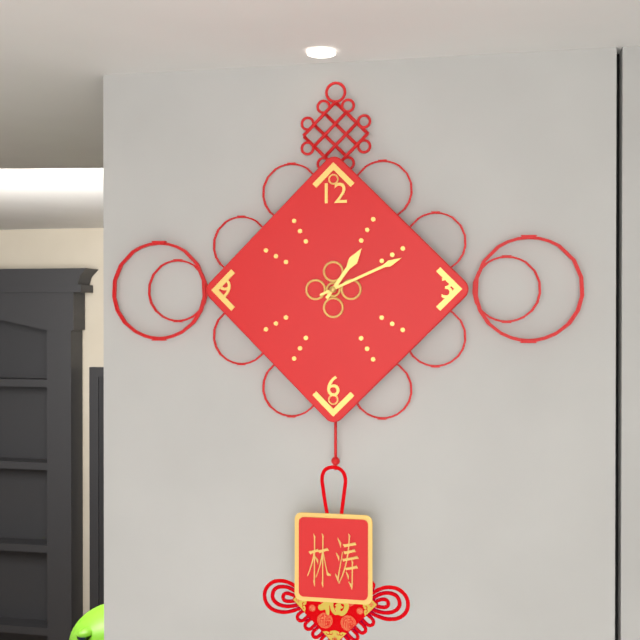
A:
**1:11**
